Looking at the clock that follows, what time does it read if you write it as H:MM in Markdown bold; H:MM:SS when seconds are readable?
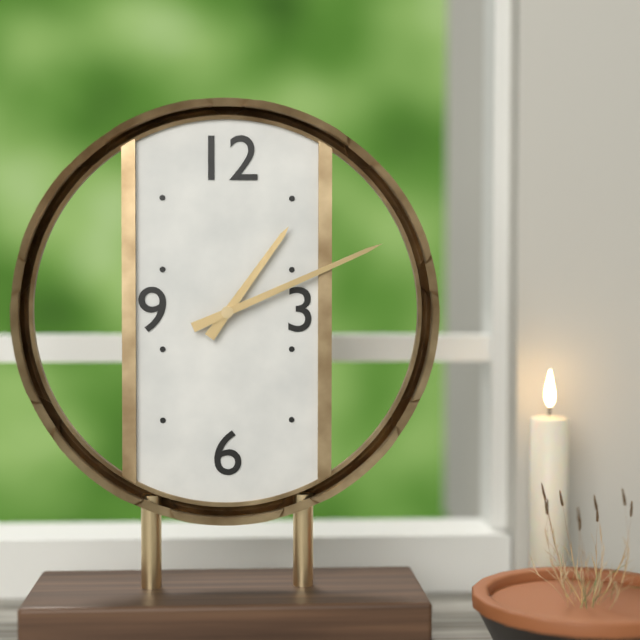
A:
**1:11**
